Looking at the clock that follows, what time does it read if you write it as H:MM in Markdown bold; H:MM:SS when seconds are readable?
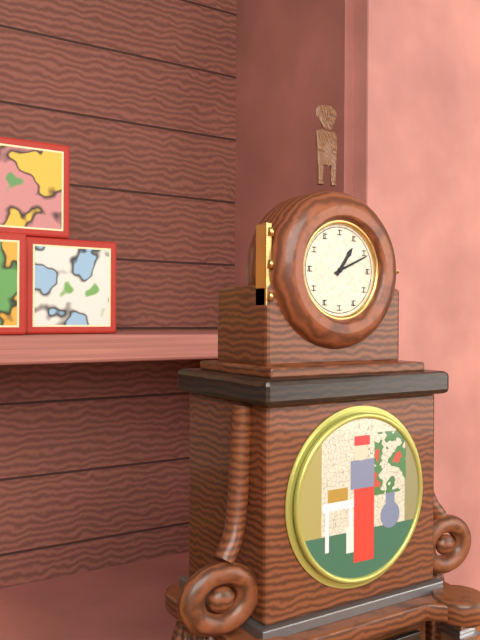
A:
**1:11**
